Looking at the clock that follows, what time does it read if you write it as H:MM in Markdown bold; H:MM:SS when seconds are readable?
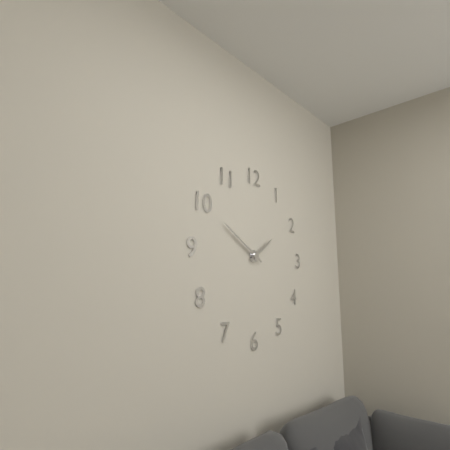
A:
**1:50**
